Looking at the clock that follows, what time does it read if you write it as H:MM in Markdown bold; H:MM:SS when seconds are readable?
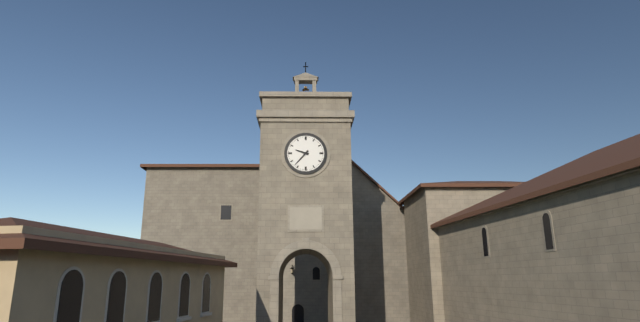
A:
**9:37**
